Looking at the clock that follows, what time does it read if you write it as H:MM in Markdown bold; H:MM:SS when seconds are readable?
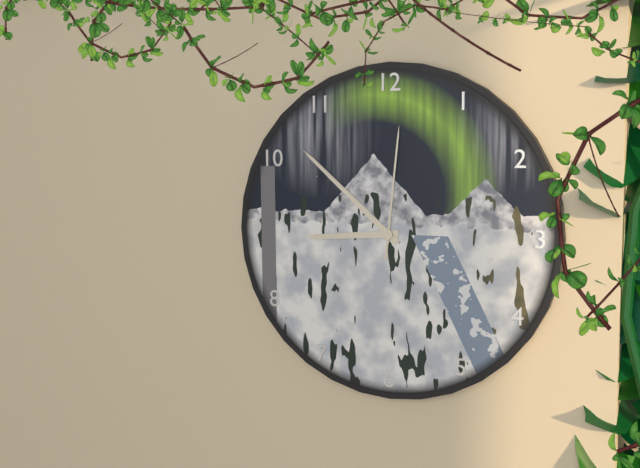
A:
**8:52:01**
